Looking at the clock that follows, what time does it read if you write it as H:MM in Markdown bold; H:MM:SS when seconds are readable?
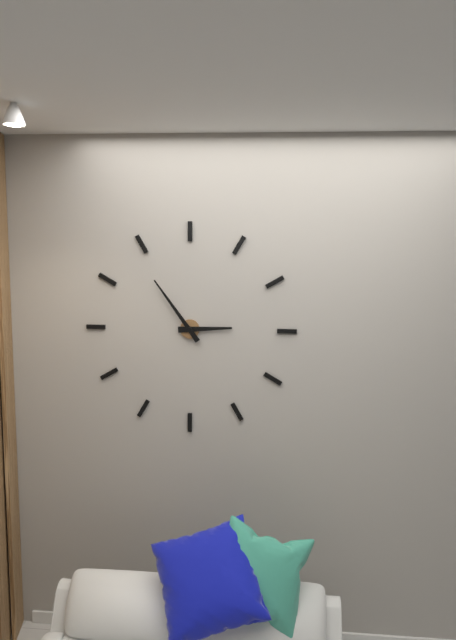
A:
**2:54**
